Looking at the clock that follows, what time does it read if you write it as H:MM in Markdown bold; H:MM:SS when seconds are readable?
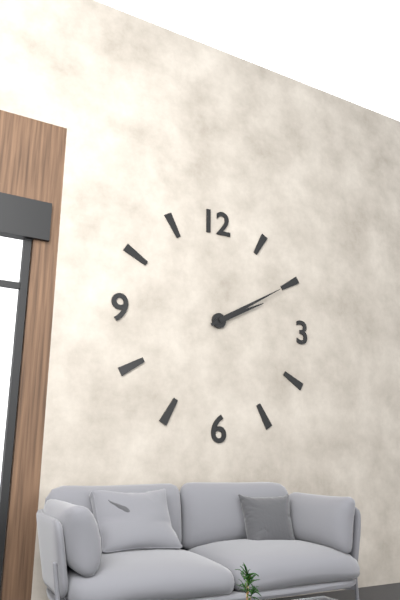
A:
**2:10**
